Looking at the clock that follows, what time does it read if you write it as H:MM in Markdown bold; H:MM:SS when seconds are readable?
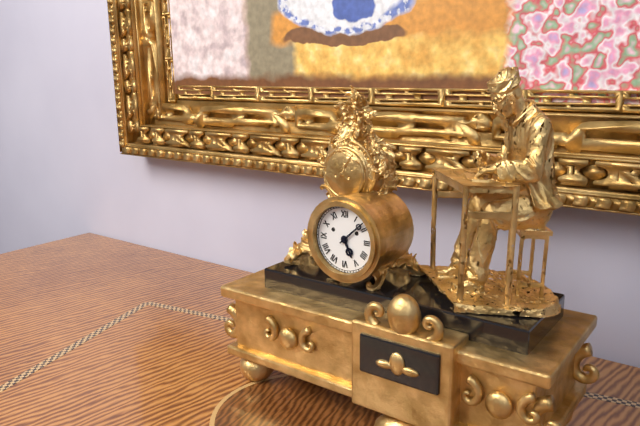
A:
**5:08**
